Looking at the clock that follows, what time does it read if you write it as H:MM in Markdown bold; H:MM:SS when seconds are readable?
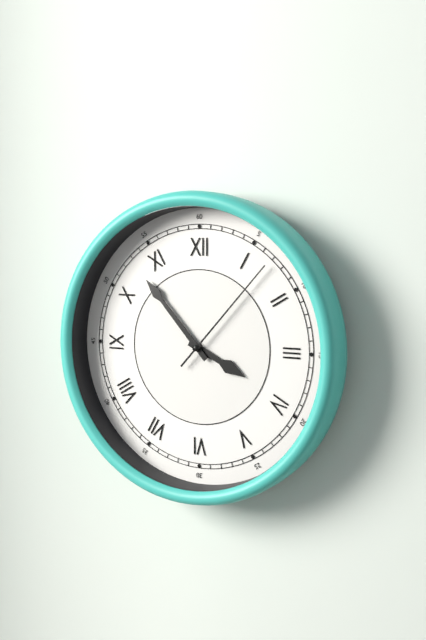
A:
**3:53:07**
